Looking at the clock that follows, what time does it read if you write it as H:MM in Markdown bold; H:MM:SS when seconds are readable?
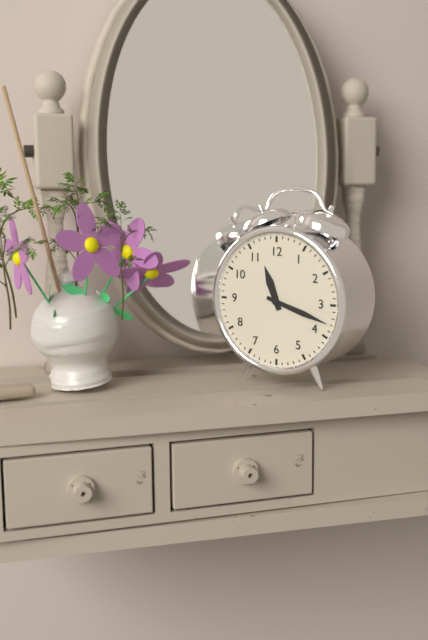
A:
**11:18**
